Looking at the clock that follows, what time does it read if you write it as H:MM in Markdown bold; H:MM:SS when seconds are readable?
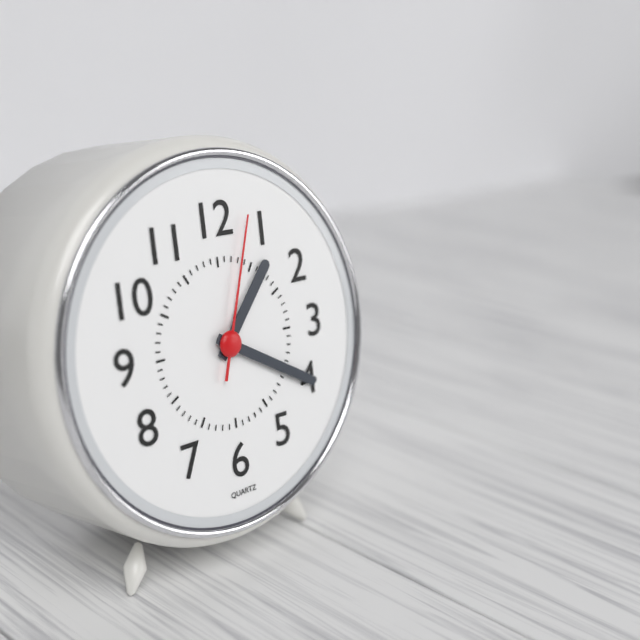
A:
**1:20:03**
